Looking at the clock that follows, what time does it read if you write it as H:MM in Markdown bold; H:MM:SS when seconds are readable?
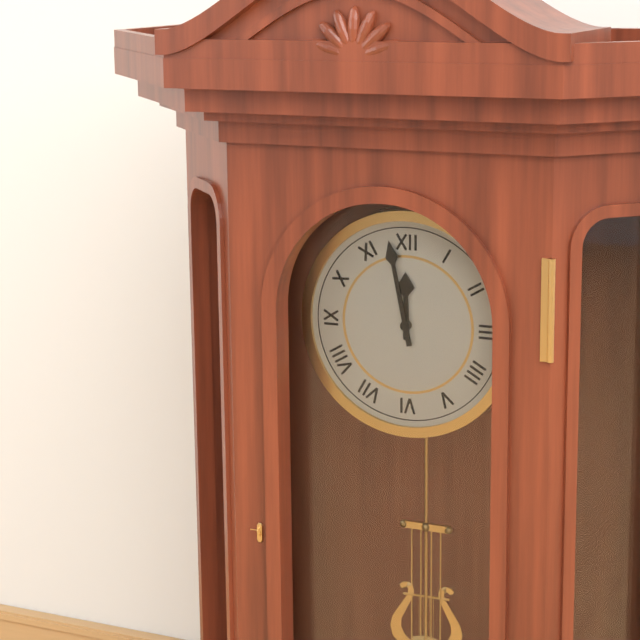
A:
**11:58**
